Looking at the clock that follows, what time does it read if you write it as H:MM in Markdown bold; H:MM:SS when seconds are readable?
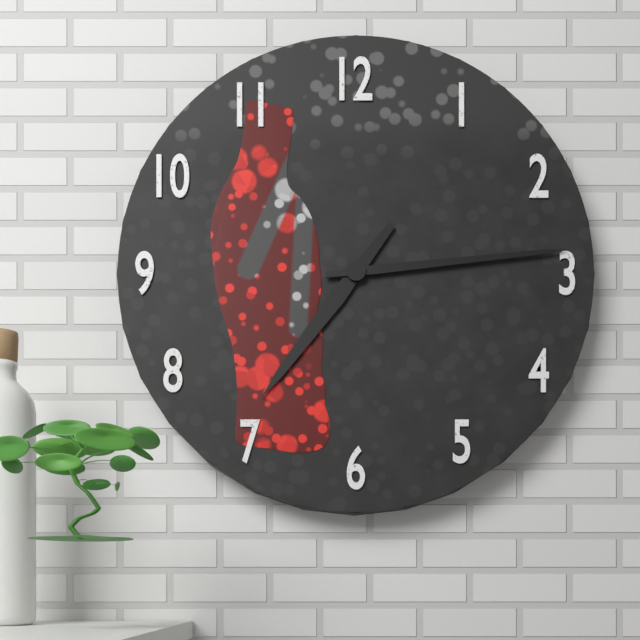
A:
**7:14**
